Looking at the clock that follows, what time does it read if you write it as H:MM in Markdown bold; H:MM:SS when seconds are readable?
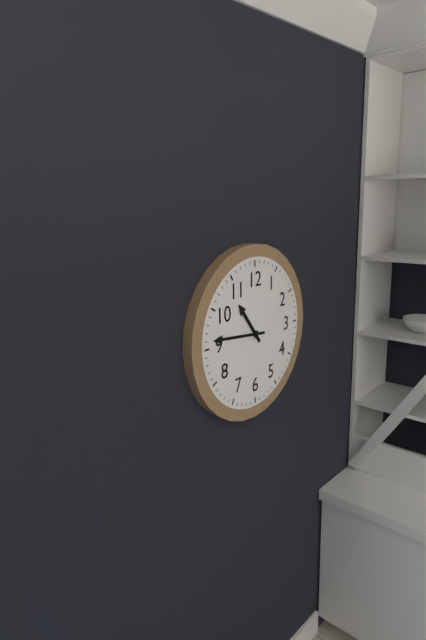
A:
**10:46**
